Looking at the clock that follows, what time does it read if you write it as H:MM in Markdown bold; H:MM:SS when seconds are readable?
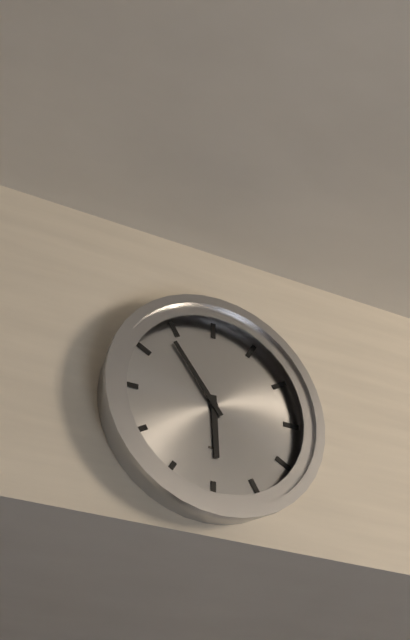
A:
**5:54**
